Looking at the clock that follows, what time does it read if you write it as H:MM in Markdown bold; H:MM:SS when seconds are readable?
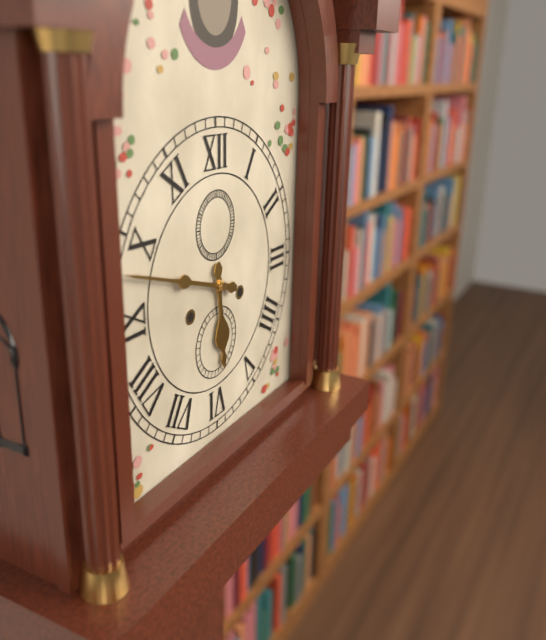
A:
**5:48**
